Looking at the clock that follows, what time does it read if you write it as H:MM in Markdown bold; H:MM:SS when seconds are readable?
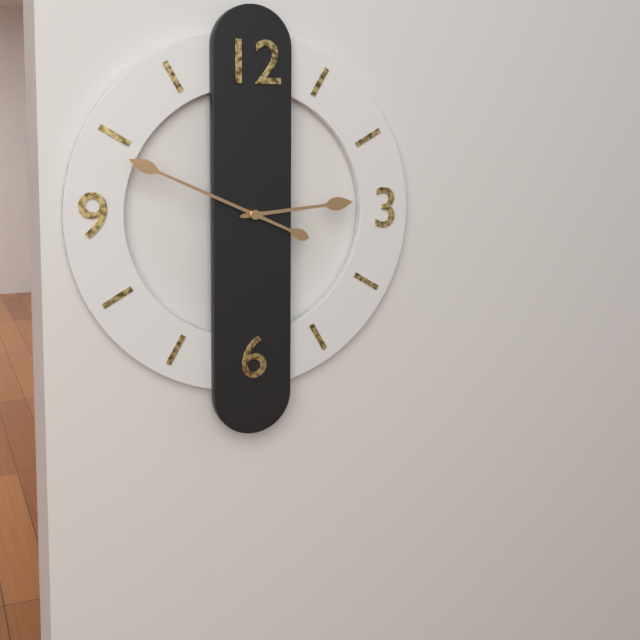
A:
**2:49**
